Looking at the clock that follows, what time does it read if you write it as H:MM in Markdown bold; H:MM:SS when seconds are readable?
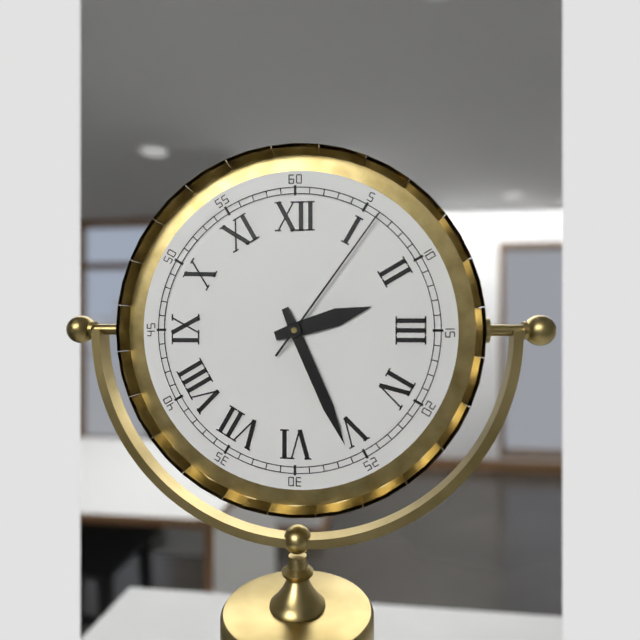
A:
**2:26:06**
